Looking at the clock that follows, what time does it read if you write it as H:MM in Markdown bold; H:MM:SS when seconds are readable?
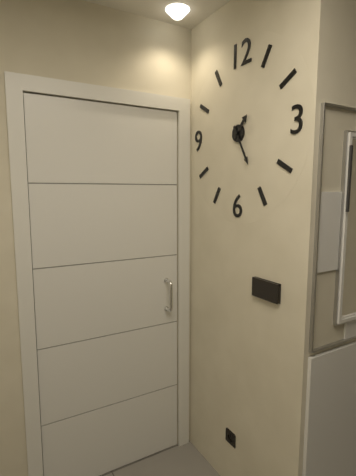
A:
**1:25**
